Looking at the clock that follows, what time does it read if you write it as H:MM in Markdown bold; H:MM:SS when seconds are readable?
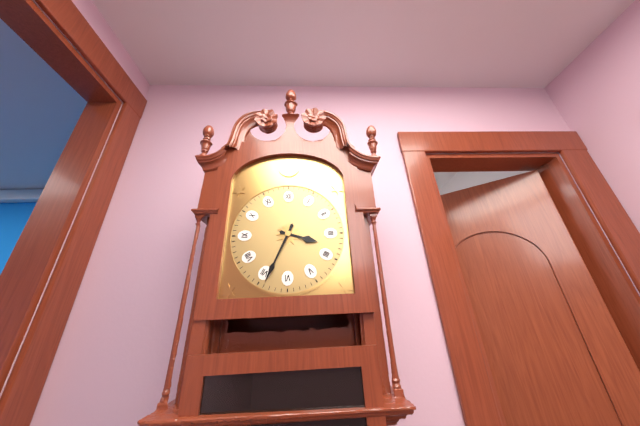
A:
**3:34**
